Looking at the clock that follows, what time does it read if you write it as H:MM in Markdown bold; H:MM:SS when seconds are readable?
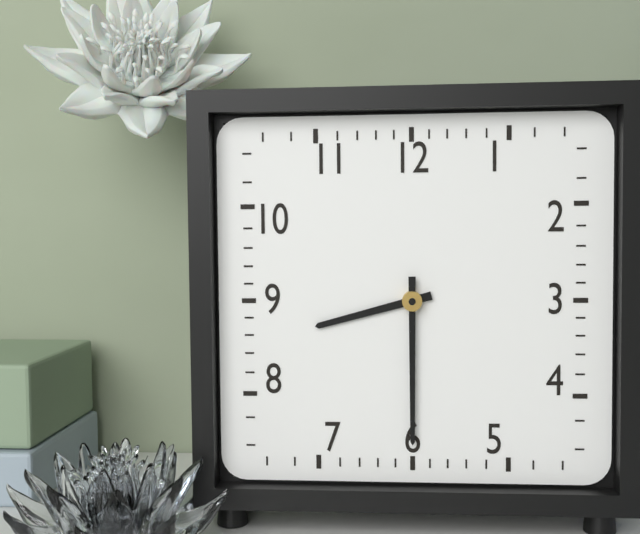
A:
**8:30**
